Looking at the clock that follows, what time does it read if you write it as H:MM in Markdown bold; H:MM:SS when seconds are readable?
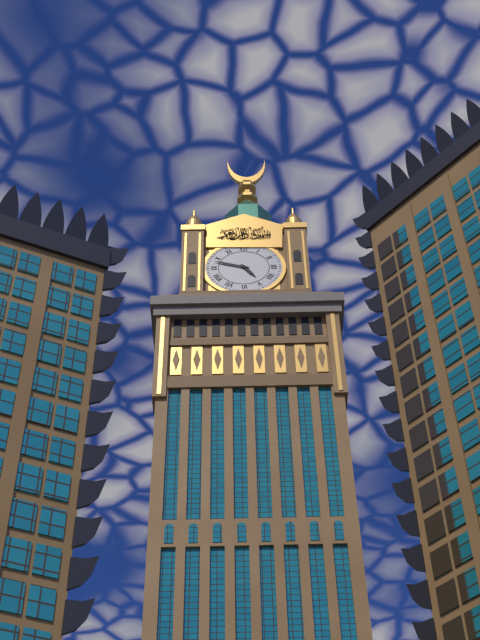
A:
**4:48**
